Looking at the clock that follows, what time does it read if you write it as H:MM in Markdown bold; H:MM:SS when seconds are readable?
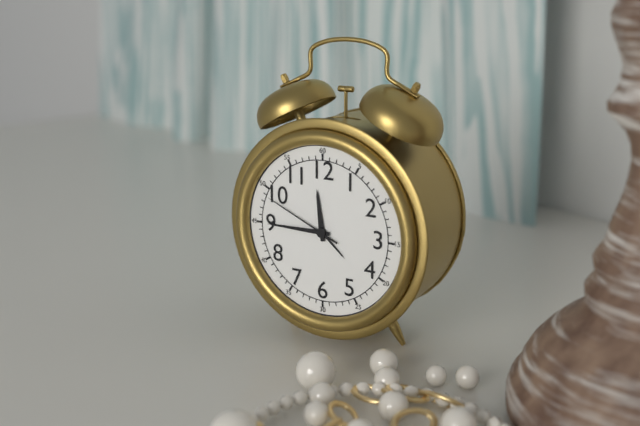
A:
**11:45:49**
